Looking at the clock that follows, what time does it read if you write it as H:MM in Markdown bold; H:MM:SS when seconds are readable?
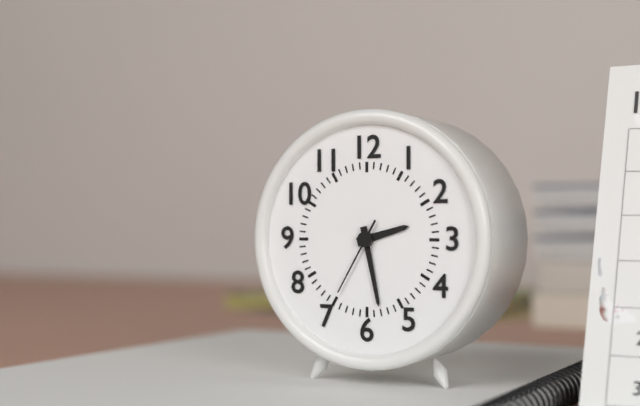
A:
**2:28:35**
